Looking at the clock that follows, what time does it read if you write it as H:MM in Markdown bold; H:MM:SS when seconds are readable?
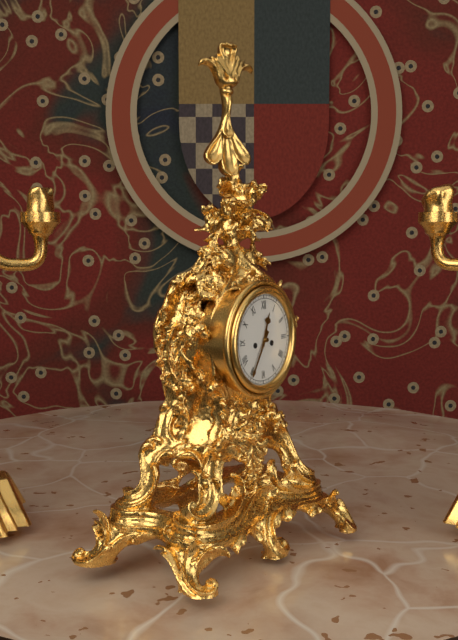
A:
**12:35**
